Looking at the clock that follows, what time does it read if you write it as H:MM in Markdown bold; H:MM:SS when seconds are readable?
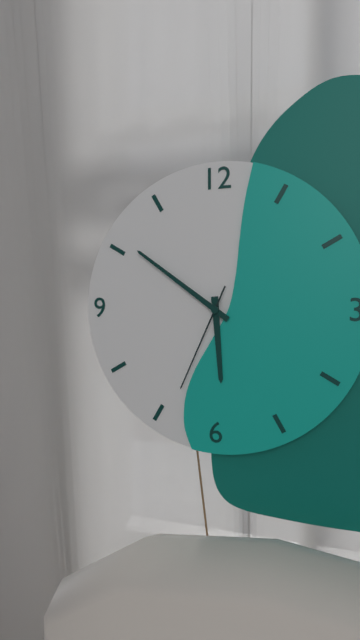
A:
**5:51:34**
